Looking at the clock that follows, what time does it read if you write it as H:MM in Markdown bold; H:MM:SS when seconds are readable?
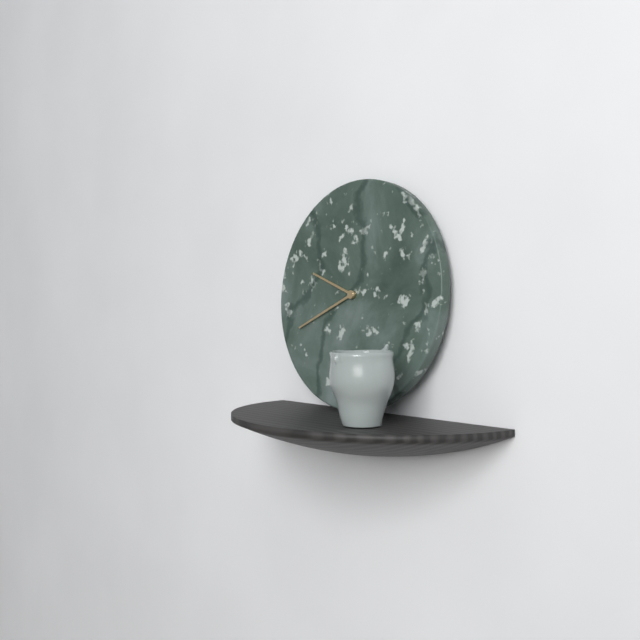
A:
**9:41**
